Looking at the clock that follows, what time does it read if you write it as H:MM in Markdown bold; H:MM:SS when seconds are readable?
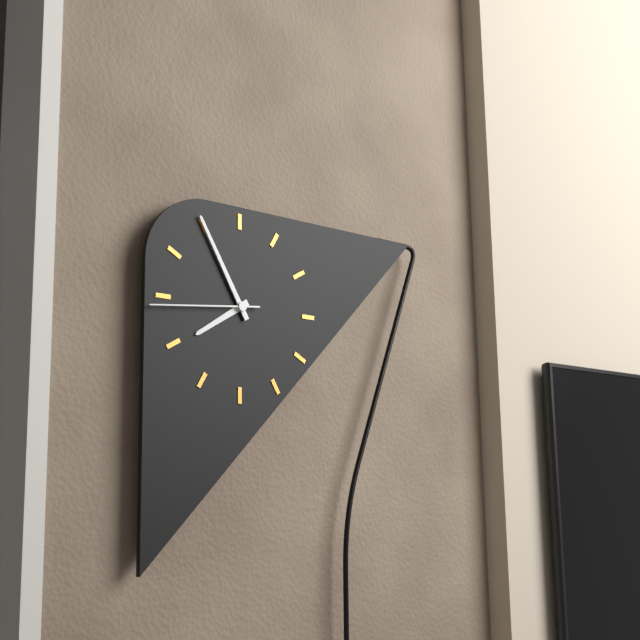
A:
**7:55:44**
